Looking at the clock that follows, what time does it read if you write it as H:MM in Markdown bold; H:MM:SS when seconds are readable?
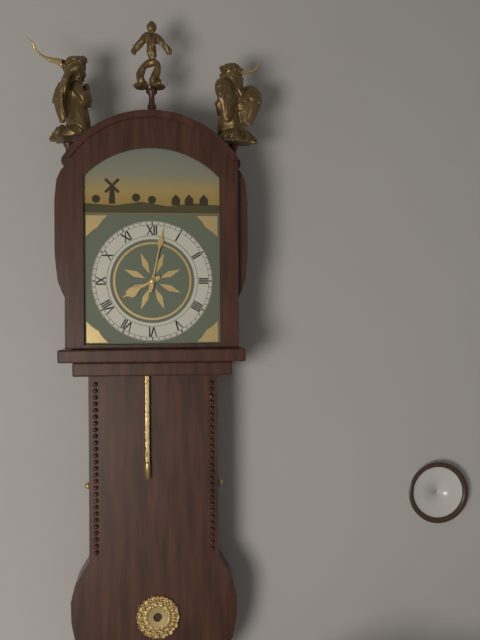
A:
**8:02**
